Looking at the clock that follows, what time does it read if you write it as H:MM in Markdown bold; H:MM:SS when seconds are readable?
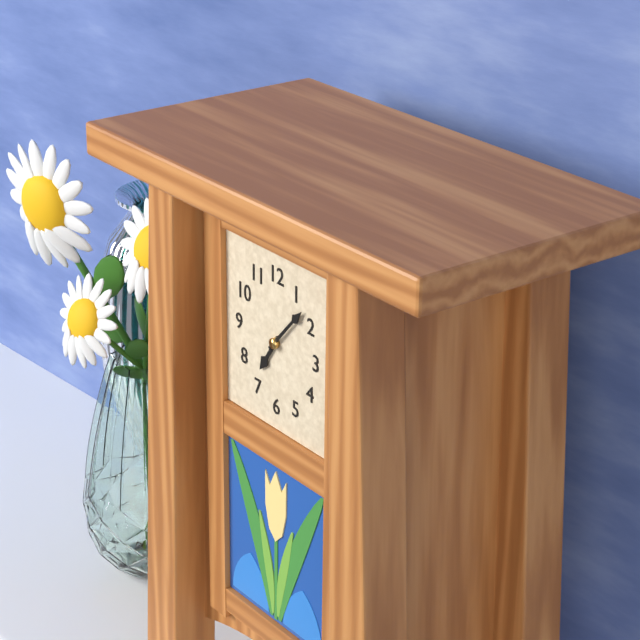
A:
**7:07**
